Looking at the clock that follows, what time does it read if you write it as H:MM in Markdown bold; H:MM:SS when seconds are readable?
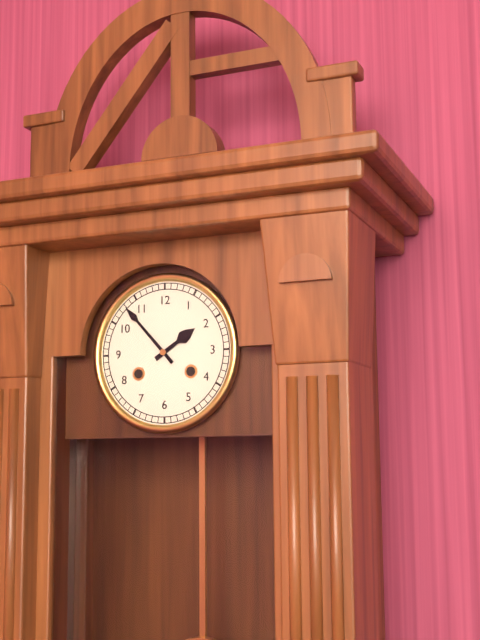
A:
**1:53**
